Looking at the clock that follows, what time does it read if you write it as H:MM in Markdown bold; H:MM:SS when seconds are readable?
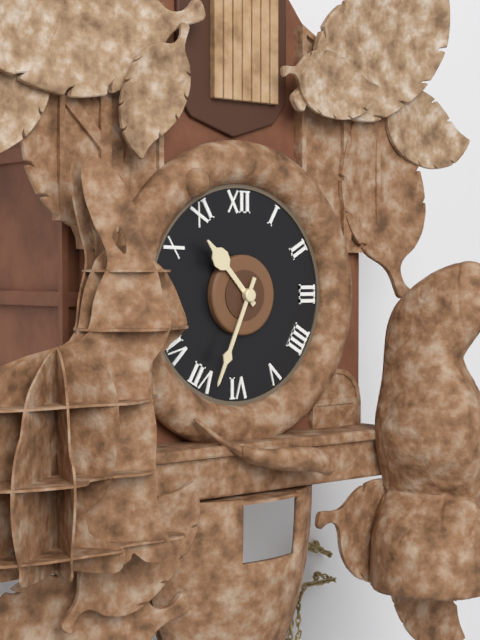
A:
**10:34**
